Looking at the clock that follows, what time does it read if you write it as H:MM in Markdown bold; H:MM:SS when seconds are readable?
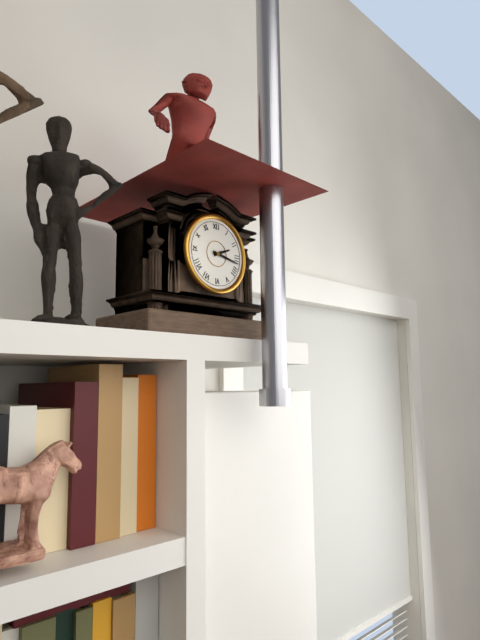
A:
**2:17**
